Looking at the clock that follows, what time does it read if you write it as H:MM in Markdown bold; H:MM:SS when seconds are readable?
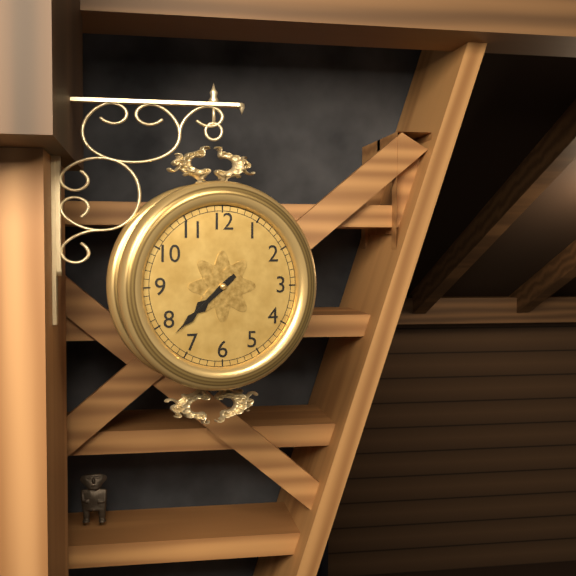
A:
**7:38**
